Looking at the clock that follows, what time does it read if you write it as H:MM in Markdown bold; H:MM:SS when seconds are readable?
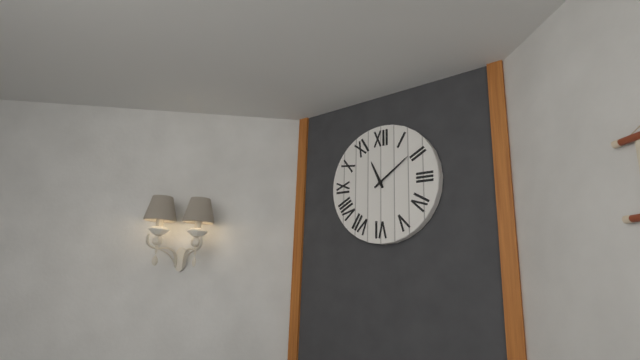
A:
**11:09**
